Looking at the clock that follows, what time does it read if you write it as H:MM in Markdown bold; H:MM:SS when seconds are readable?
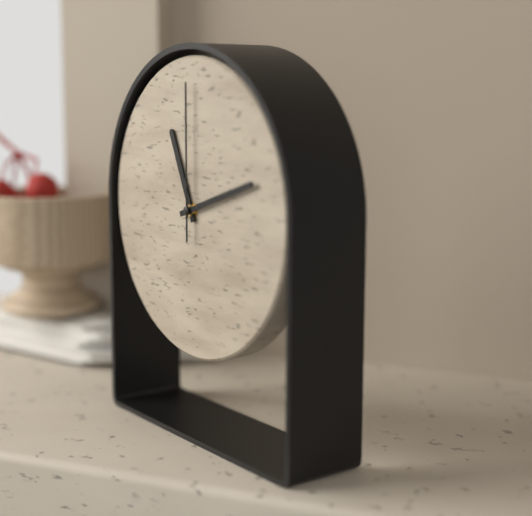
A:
**11:12:00**
